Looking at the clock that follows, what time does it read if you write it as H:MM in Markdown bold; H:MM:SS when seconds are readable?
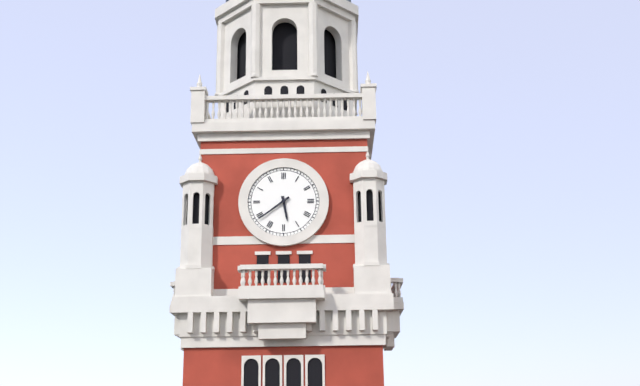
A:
**5:39**
